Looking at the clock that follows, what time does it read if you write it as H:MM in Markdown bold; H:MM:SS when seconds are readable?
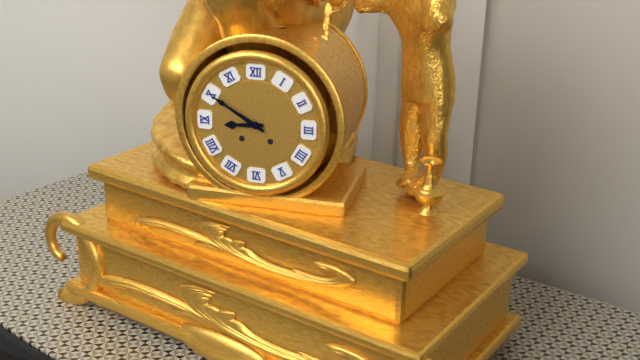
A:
**8:50**
